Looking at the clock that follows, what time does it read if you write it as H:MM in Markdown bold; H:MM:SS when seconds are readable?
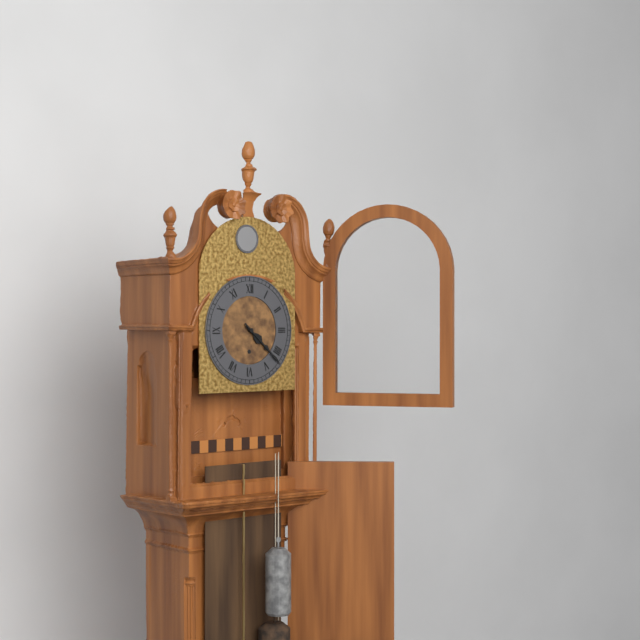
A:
**4:22**
